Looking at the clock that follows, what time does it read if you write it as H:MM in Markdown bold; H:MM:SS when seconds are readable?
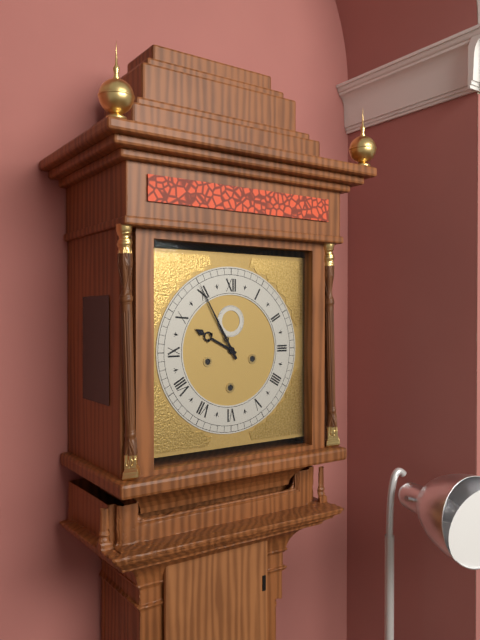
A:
**9:55**
